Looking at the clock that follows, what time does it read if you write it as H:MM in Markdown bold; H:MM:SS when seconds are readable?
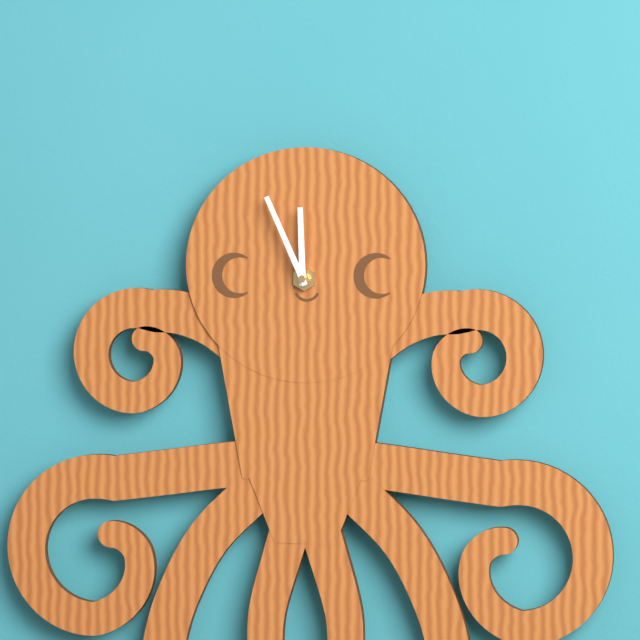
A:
**11:56**
